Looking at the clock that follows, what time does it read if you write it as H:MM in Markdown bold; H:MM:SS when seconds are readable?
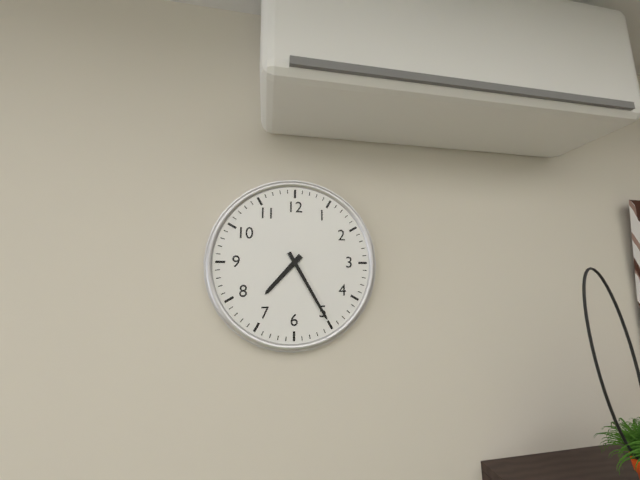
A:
**7:25**
